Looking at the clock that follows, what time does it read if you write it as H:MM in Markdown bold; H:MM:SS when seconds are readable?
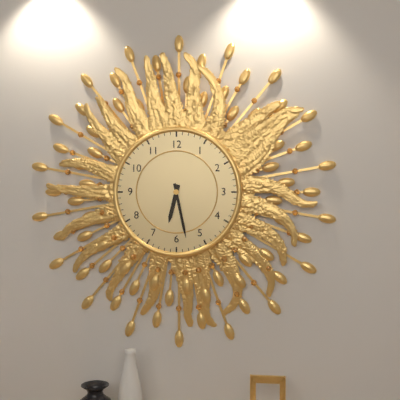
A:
**6:28**
